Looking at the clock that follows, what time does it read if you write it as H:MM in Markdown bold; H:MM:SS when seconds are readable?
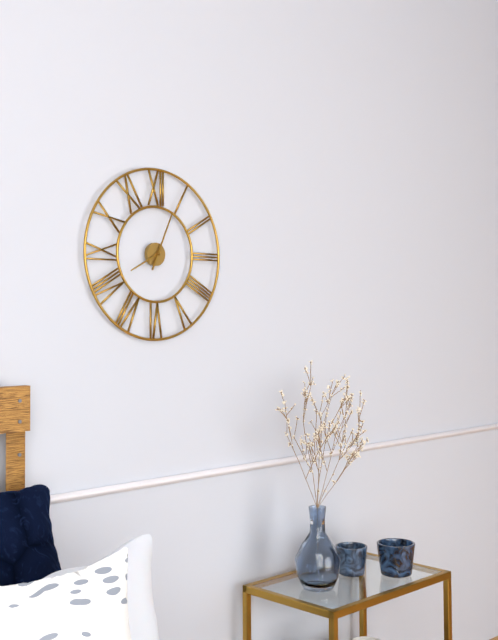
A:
**8:04**
